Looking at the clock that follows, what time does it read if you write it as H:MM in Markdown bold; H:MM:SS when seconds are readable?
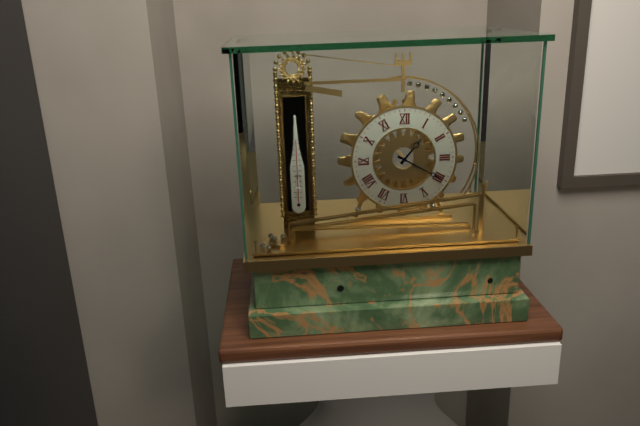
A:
**1:20**
